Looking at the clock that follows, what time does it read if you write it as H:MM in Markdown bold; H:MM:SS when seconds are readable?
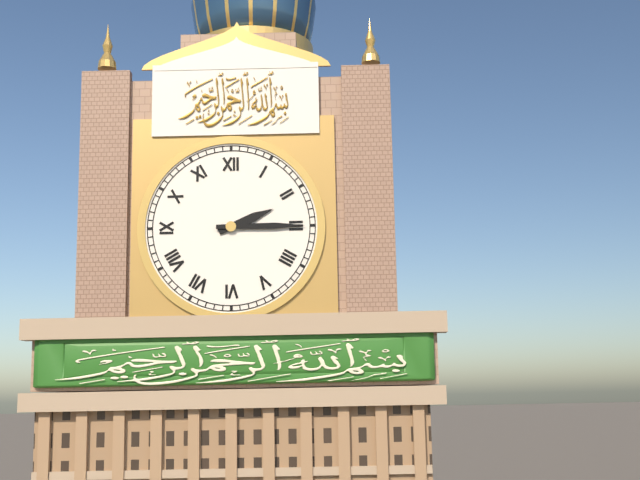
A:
**2:15**
